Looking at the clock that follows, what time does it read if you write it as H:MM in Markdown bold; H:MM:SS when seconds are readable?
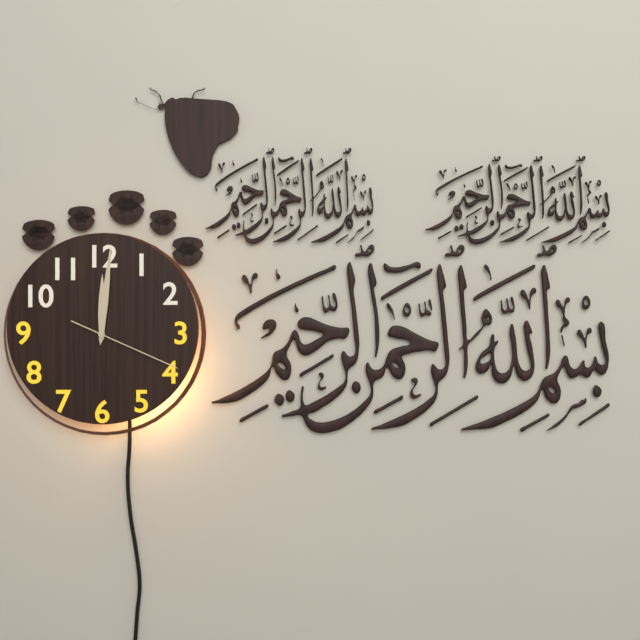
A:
**12:01:19**
